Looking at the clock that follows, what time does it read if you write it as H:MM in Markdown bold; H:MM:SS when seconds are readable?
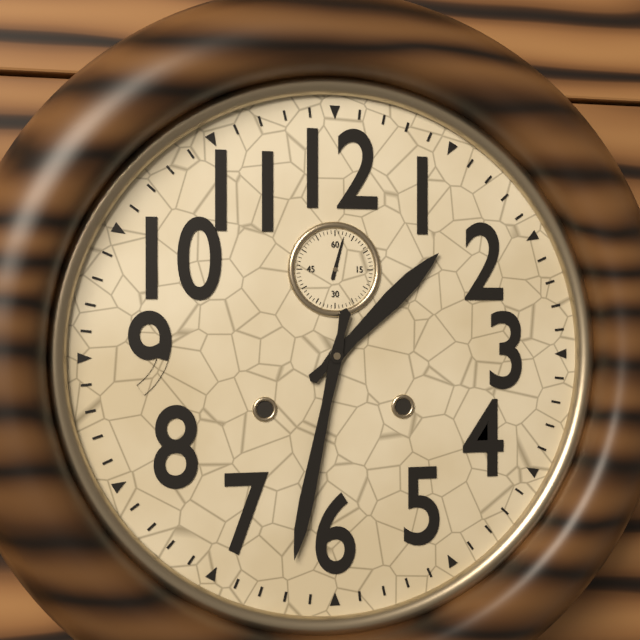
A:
**1:32**
